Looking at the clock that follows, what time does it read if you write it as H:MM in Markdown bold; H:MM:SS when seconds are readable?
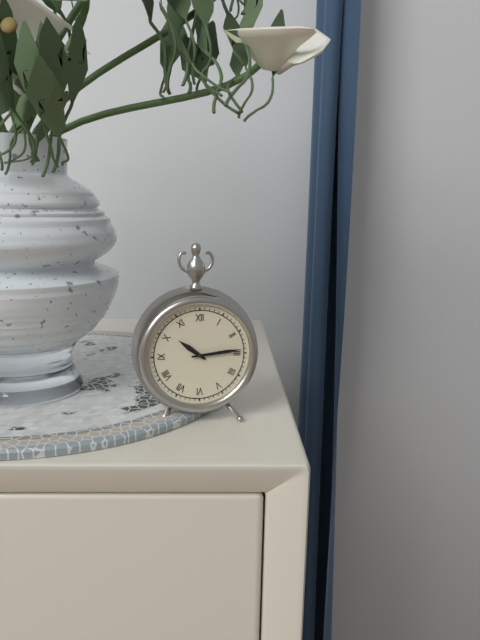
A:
**10:14**
